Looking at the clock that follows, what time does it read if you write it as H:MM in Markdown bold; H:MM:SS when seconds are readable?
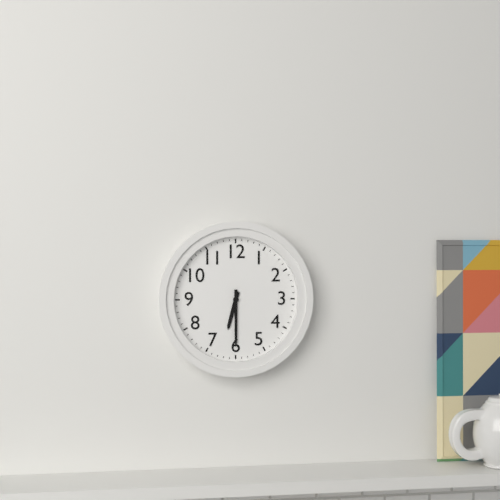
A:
**6:30**
